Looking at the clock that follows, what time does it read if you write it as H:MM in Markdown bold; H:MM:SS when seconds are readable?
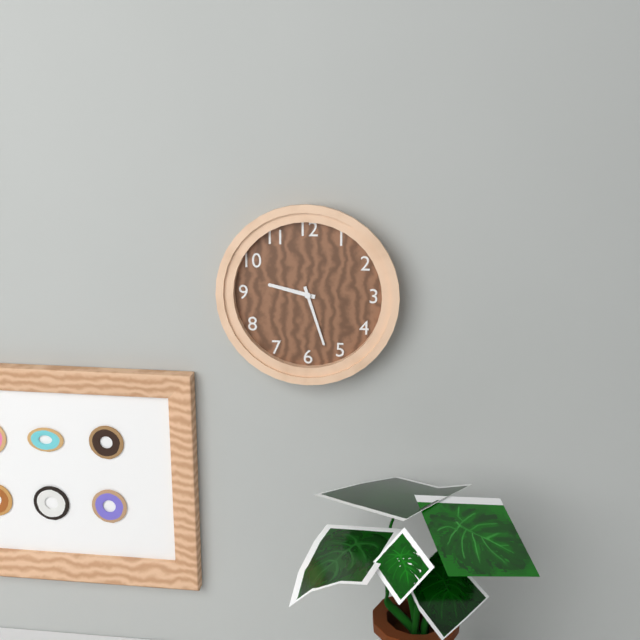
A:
**9:27**
